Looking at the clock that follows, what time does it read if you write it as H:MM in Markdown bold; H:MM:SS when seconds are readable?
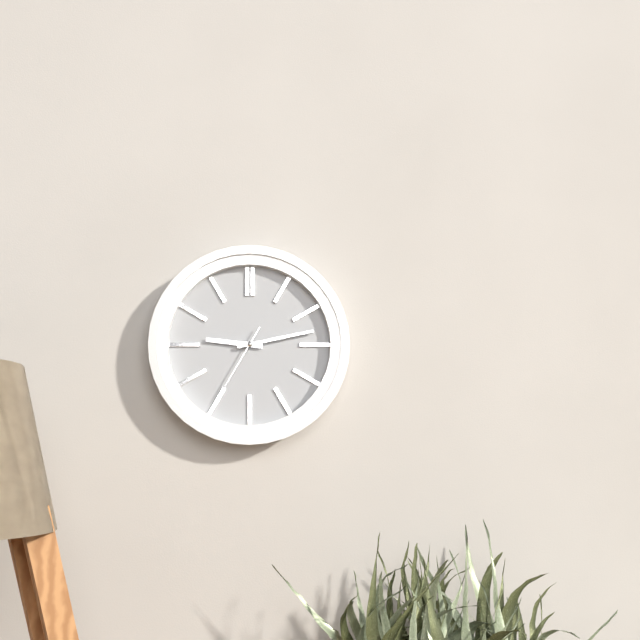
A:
**9:13:35**
